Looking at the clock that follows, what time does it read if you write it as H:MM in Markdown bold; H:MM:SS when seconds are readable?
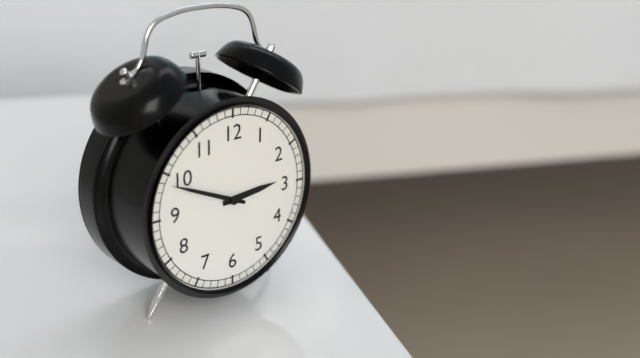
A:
**2:49**
